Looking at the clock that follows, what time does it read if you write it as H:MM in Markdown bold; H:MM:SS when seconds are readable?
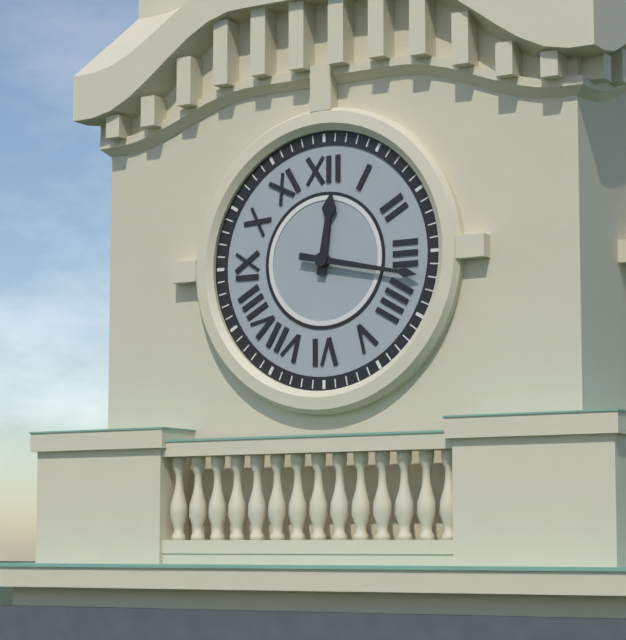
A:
**12:17**
